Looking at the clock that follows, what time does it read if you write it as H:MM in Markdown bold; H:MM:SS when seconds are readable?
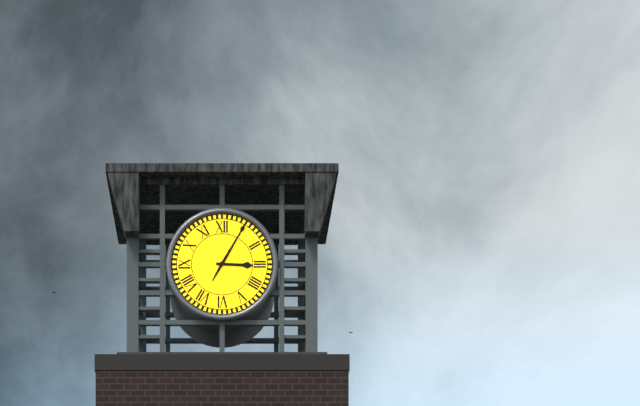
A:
**3:05**
